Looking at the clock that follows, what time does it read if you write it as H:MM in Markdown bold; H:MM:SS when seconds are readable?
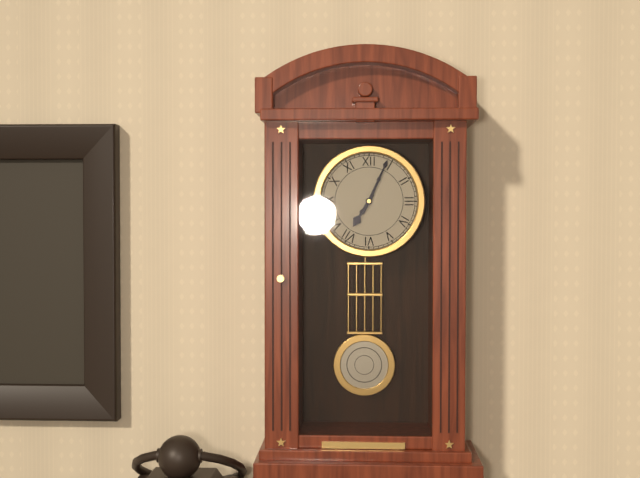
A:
**7:04**
